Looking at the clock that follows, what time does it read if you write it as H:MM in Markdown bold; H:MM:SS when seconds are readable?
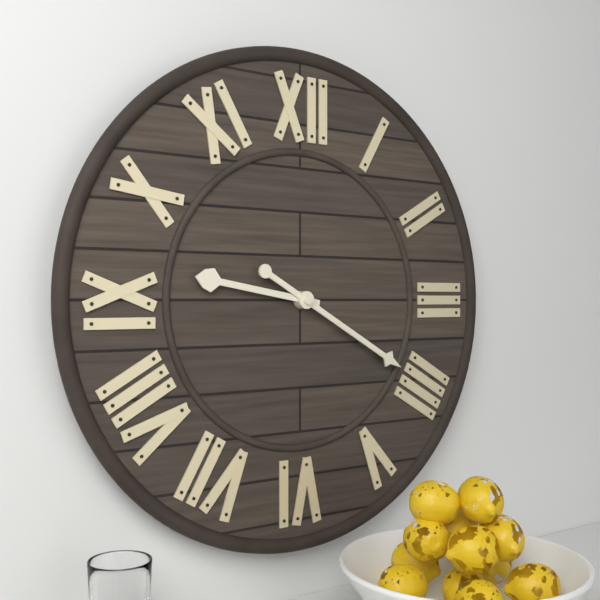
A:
**9:20**
